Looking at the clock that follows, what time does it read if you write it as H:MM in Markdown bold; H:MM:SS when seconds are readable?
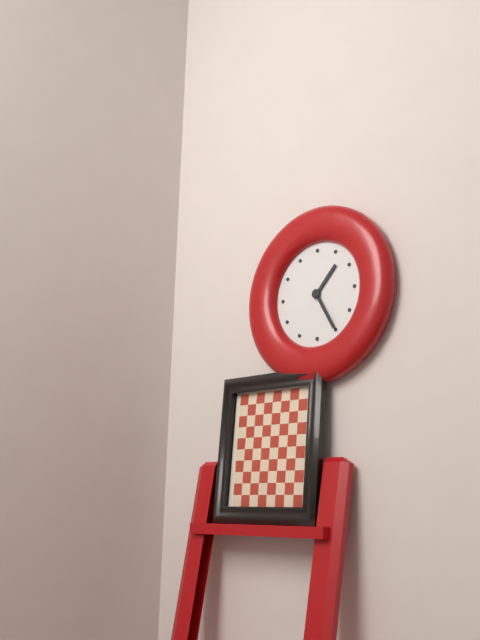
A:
**1:25**
